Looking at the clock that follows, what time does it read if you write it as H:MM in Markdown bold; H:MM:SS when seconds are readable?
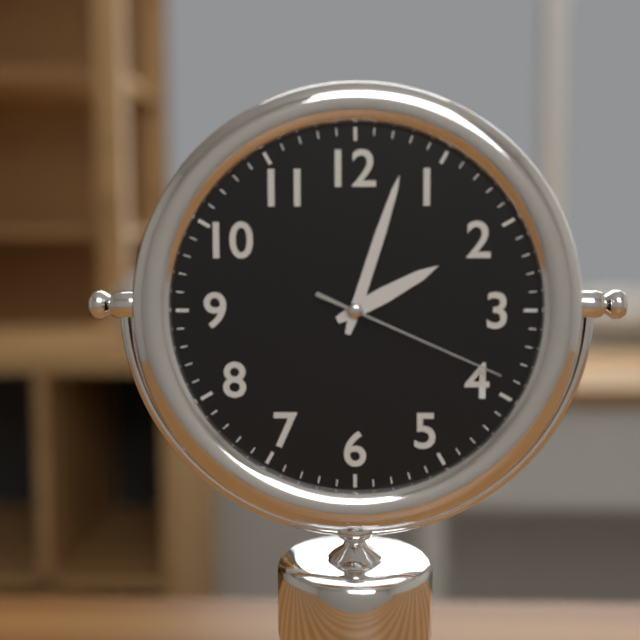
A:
**2:03:19**
